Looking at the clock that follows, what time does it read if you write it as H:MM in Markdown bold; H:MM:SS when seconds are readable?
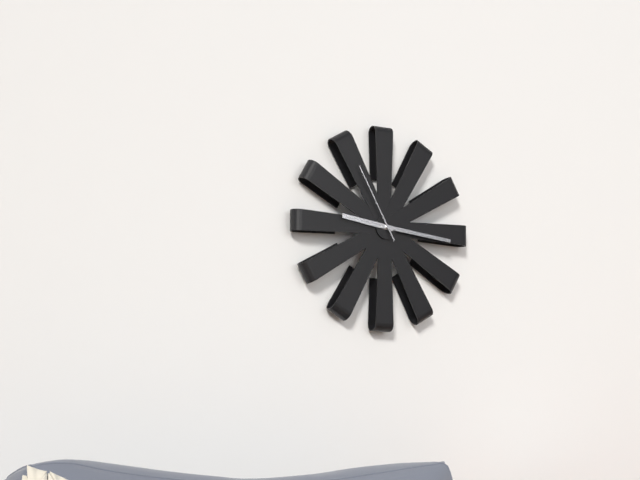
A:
**9:16:55**
